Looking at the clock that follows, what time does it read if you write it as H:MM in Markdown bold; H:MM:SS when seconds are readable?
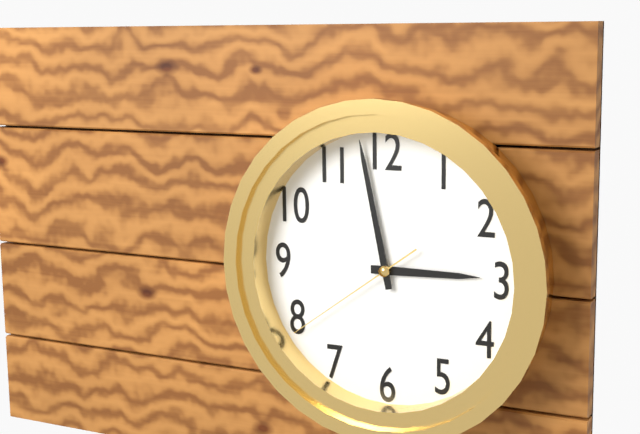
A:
**2:58:39**
